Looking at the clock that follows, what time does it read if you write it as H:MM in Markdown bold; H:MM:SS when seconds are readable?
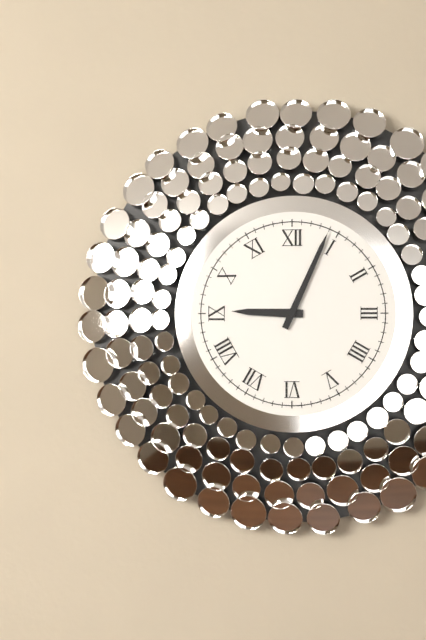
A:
**9:04**
